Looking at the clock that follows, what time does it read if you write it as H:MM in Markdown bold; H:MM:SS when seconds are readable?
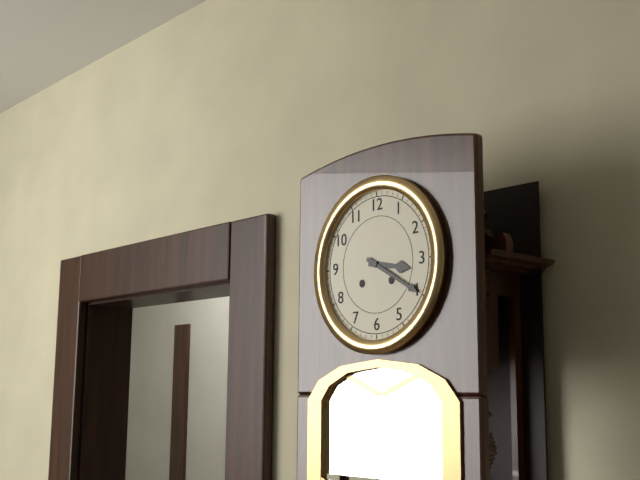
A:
**3:20**
